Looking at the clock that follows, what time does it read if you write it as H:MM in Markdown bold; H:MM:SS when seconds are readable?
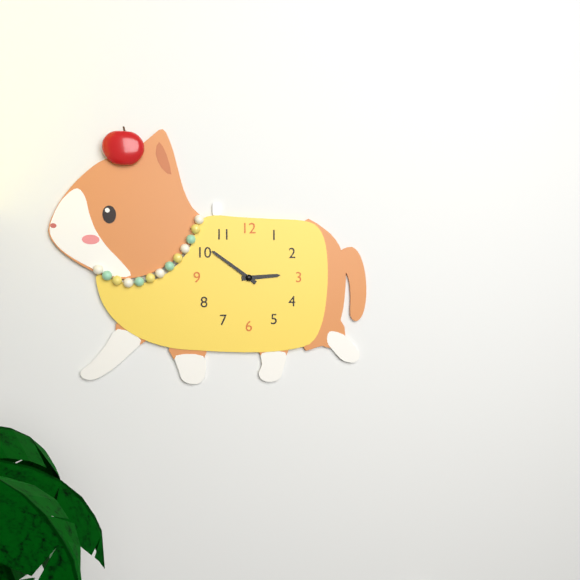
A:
**2:51**
